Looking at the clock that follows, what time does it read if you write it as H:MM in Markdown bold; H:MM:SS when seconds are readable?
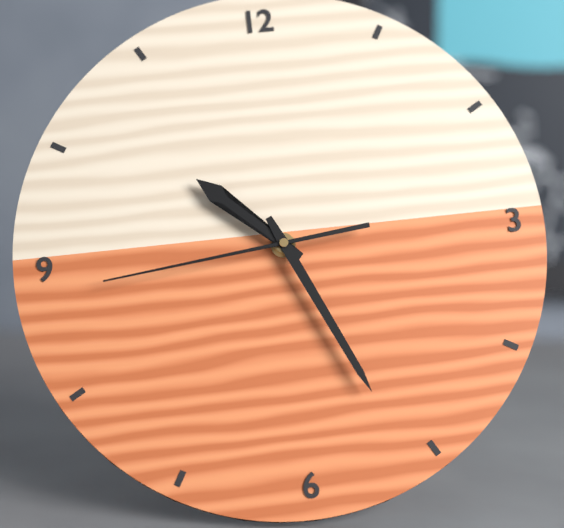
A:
**10:26:44**
